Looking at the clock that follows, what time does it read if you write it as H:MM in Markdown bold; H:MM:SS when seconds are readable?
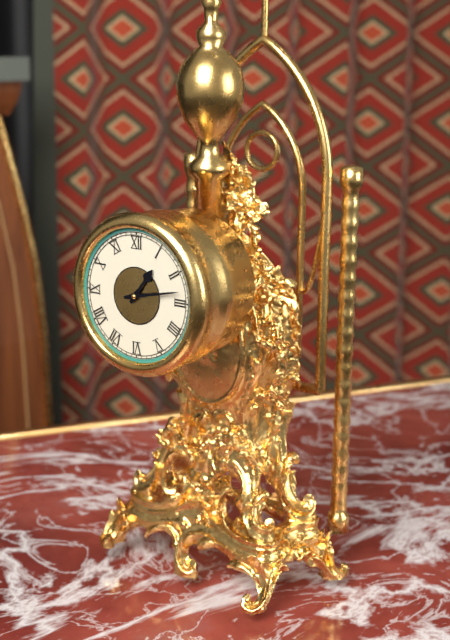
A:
**1:13**
